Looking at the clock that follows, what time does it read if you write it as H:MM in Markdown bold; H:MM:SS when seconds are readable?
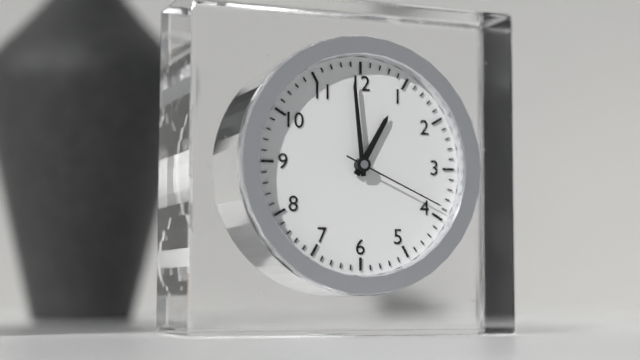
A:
**12:59:19**
